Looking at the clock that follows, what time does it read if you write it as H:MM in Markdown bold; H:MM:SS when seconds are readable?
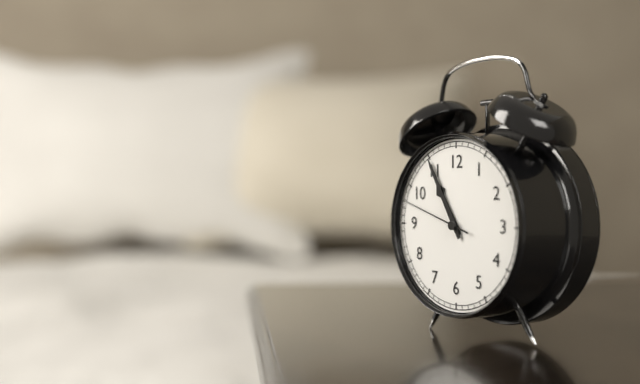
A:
**10:55:48**
